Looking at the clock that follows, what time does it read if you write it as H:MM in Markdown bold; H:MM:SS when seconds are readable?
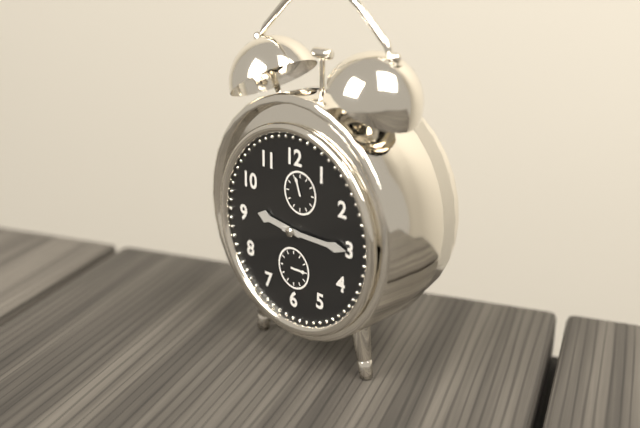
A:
**9:15**
